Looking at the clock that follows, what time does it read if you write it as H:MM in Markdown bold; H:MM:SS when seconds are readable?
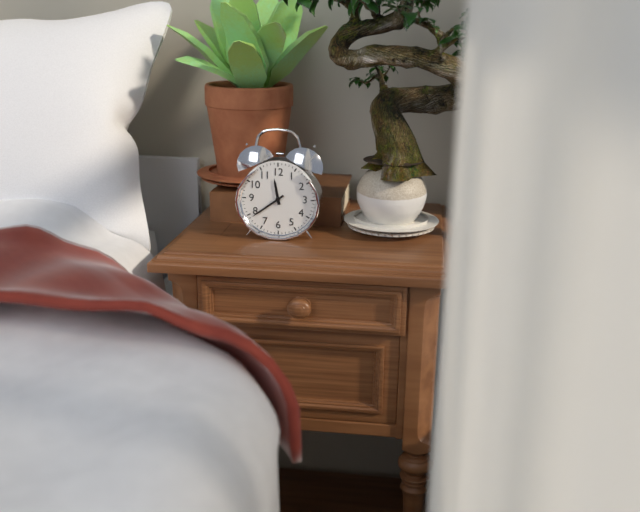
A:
**11:39**
